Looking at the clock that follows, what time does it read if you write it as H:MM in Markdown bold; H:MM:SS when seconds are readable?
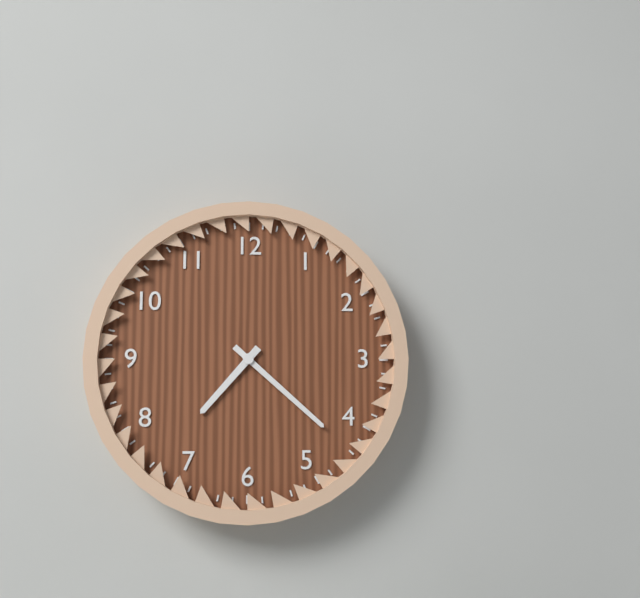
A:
**7:22**
